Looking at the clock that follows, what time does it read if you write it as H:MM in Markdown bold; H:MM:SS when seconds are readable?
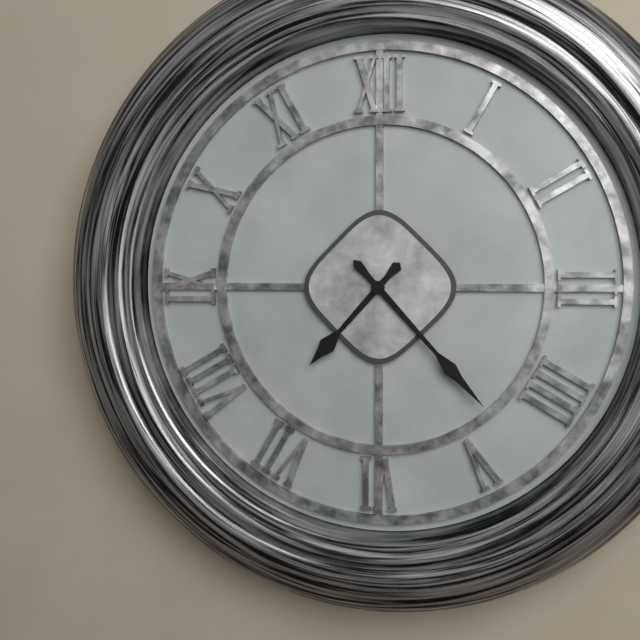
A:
**7:23**
